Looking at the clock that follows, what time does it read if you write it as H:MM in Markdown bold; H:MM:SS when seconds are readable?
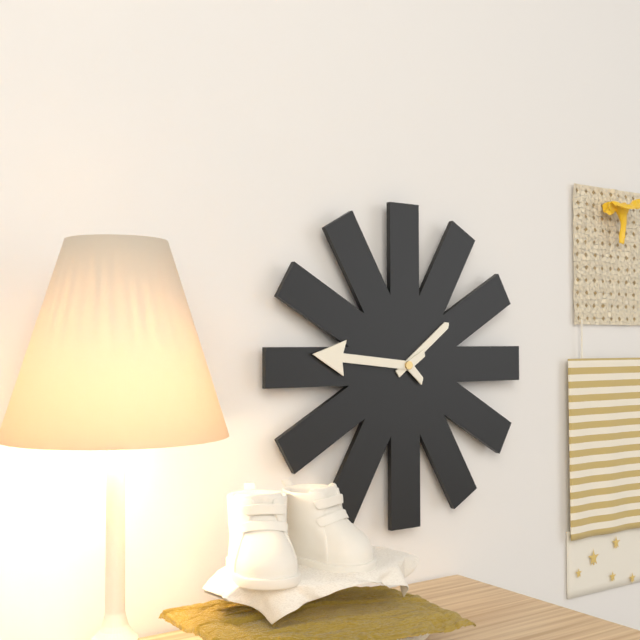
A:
**1:46**
